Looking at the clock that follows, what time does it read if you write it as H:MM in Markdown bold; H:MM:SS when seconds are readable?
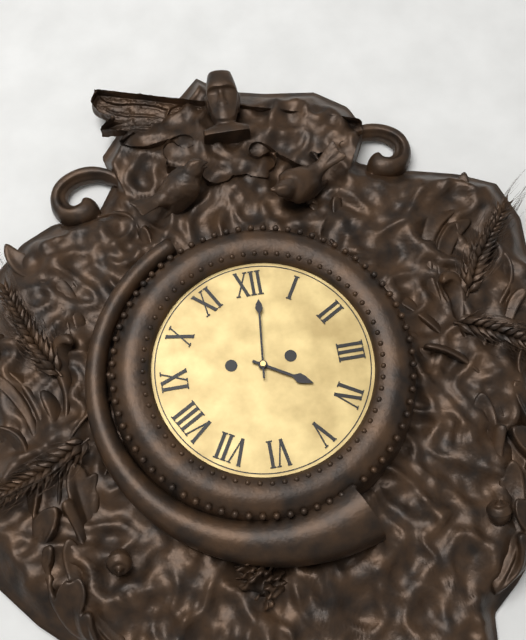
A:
**4:01**
